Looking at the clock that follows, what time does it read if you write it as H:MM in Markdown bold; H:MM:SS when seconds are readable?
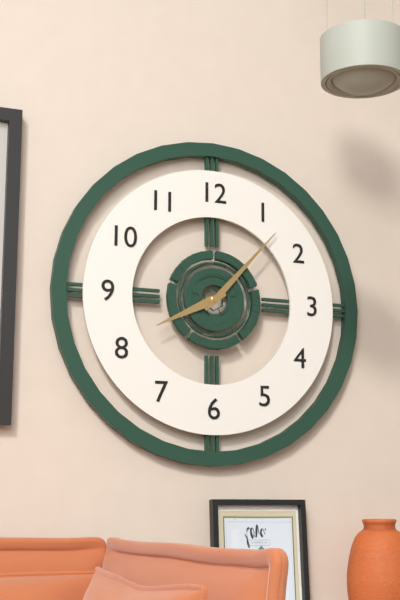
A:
**8:07**
